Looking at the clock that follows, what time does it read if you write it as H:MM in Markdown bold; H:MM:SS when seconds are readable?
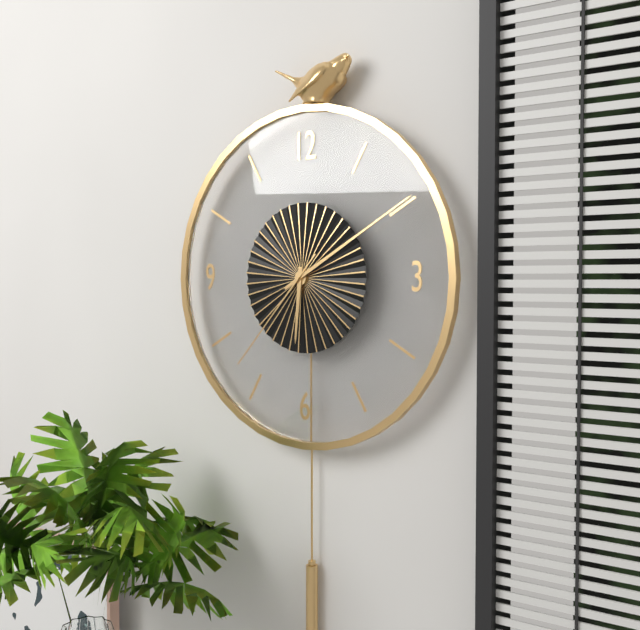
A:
**6:10:37**
